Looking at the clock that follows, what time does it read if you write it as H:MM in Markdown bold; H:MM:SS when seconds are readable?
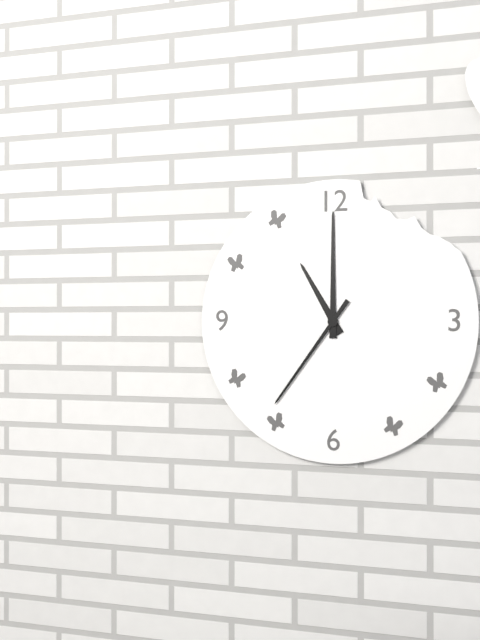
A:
**11:00:36**
